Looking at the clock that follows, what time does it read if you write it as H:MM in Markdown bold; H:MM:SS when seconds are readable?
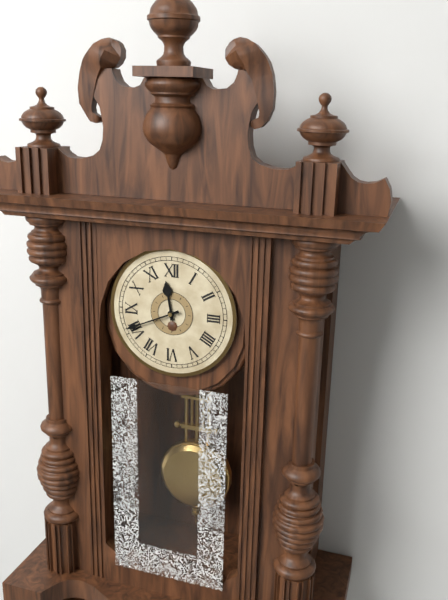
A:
**11:41**
